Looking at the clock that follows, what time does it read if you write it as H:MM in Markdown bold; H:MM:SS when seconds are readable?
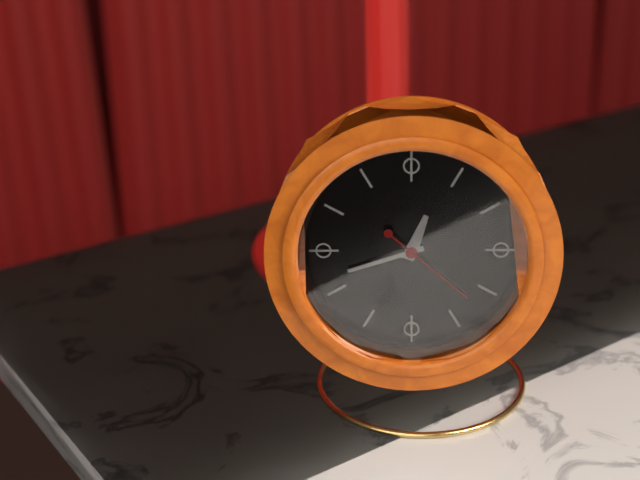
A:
**12:42:22**
